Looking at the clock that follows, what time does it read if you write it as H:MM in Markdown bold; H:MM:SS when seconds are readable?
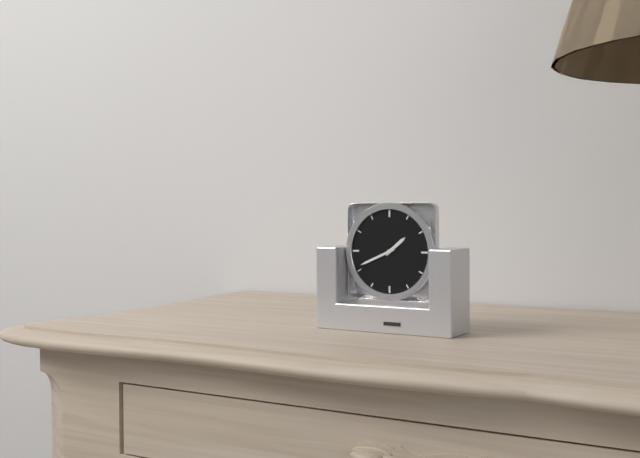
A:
**1:41**
